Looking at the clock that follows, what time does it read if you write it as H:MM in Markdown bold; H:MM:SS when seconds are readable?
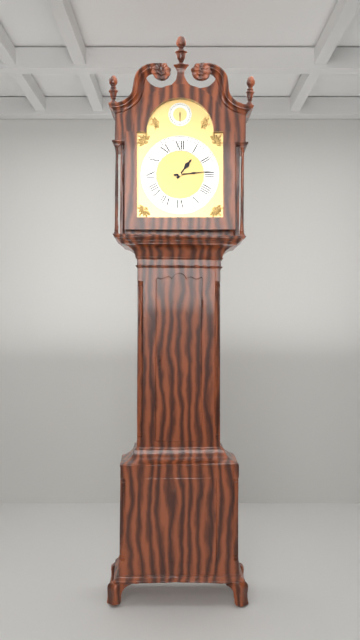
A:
**1:14**
